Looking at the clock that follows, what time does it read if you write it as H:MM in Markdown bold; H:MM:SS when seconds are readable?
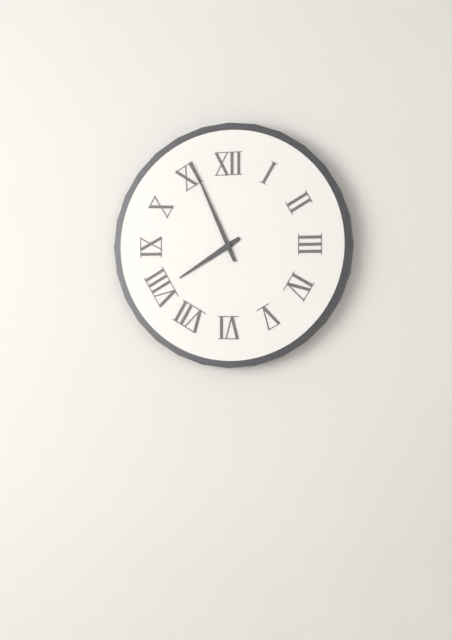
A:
**7:56**
